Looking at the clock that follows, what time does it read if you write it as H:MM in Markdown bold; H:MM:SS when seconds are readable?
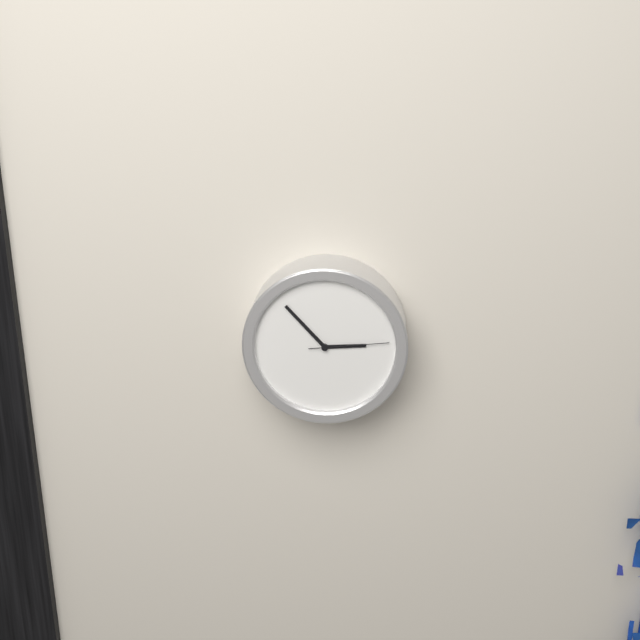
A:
**2:53:14**
